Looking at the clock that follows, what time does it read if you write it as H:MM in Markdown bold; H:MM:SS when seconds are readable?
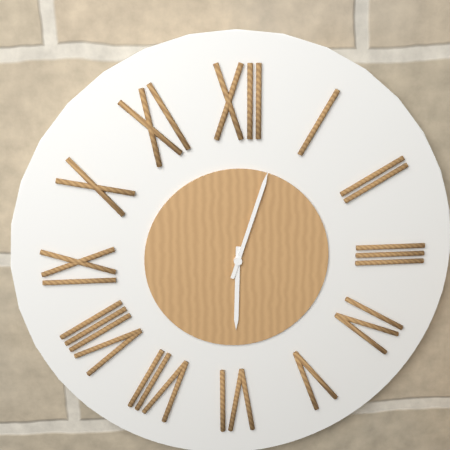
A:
**6:03**
